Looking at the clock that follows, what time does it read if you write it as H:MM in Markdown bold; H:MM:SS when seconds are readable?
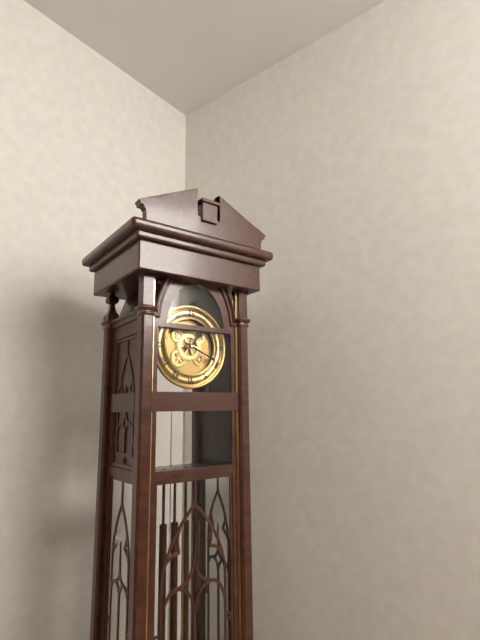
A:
**1:19**
